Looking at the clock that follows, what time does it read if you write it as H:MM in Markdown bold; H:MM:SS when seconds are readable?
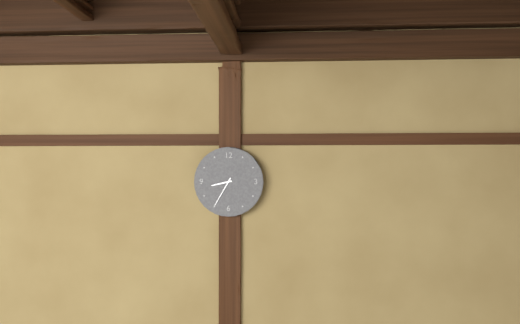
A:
**8:35**
